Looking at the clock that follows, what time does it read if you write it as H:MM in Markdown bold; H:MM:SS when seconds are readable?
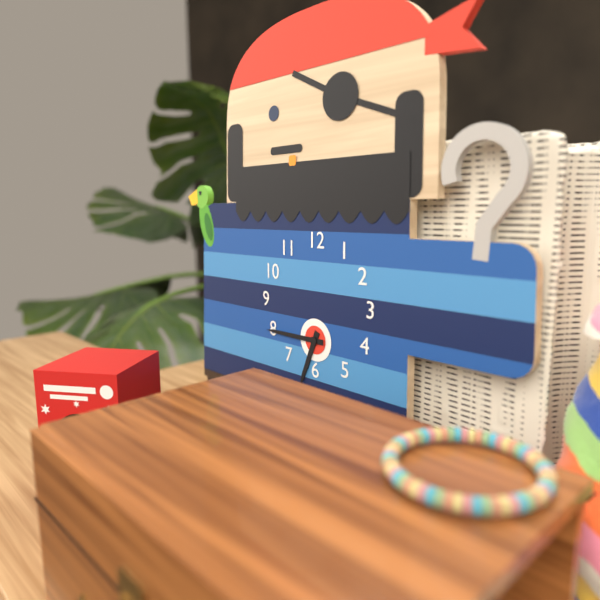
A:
**6:45**
